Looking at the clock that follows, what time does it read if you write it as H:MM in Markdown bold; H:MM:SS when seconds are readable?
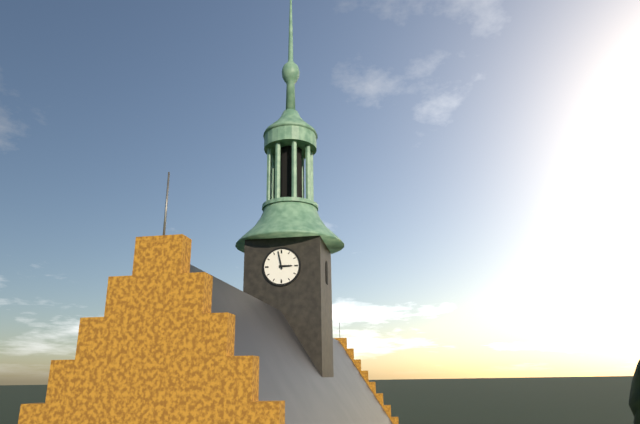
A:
**2:58**
